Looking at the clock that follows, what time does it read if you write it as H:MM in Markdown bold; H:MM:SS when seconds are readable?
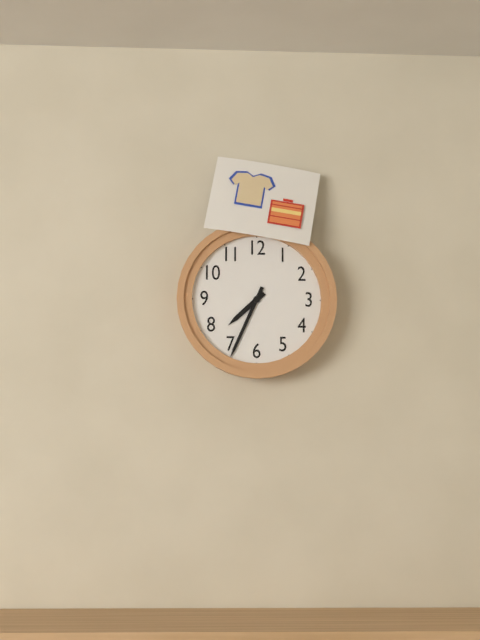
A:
**7:34**
